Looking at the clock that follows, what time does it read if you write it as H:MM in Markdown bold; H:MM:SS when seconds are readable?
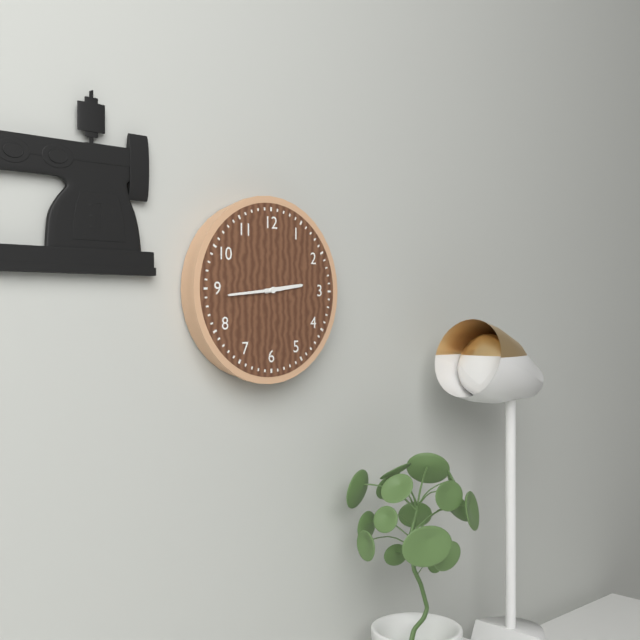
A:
**2:44**
